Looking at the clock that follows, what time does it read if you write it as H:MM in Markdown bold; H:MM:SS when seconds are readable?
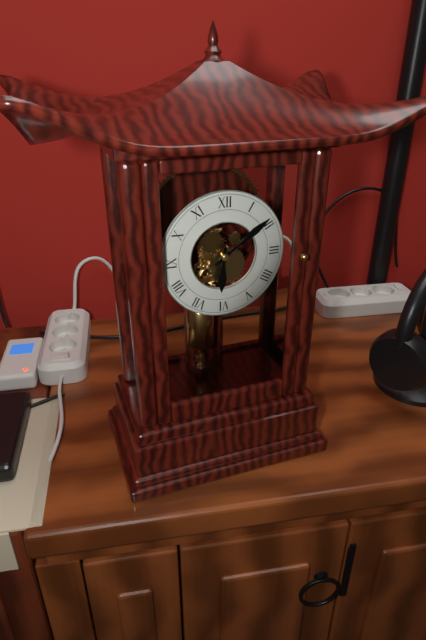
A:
**6:09**
